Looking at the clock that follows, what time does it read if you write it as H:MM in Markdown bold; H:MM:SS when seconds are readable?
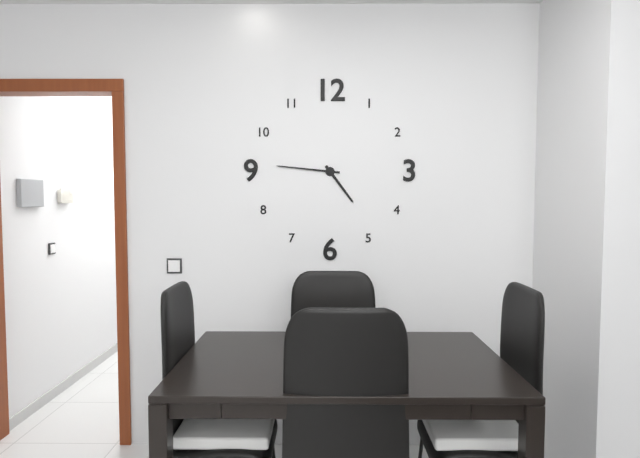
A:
**4:46**
